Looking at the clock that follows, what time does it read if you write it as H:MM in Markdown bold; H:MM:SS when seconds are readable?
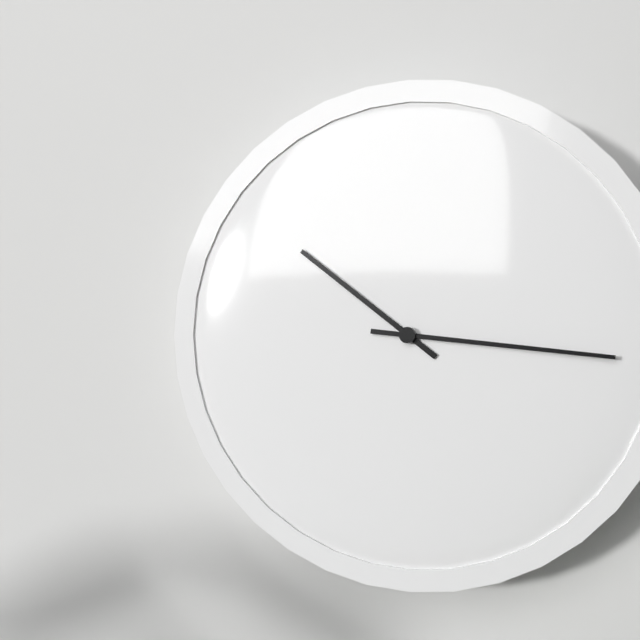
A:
**10:16**
